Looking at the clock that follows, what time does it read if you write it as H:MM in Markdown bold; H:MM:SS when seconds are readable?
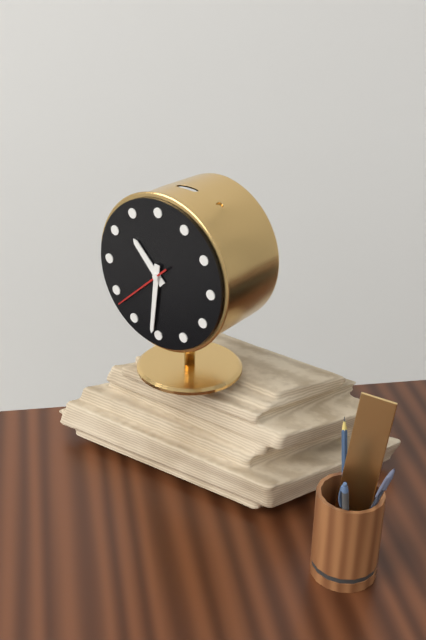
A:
**10:31:38**
